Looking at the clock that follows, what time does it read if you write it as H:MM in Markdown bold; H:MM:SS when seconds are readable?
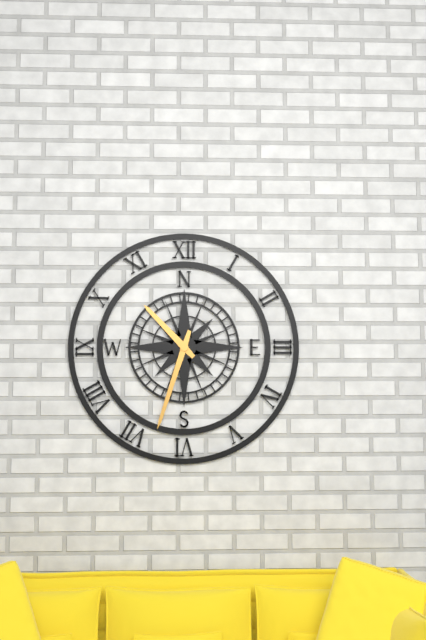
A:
**10:33**
